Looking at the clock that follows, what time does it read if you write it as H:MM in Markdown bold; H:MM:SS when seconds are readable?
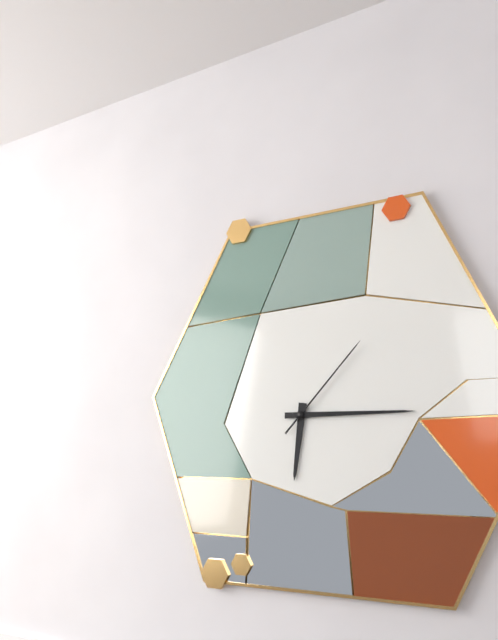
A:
**6:15:07**
